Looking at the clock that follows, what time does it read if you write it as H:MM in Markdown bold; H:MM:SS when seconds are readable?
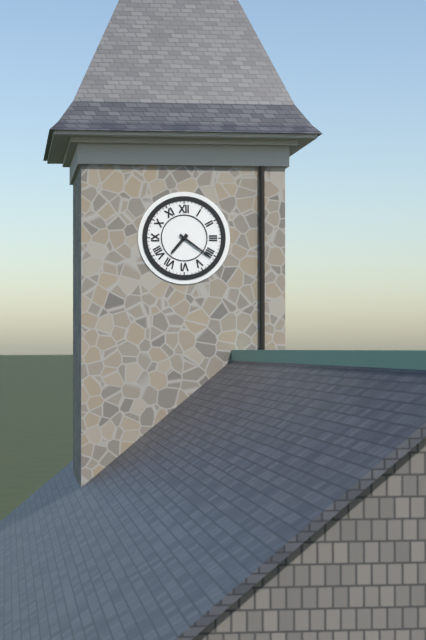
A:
**7:21**
